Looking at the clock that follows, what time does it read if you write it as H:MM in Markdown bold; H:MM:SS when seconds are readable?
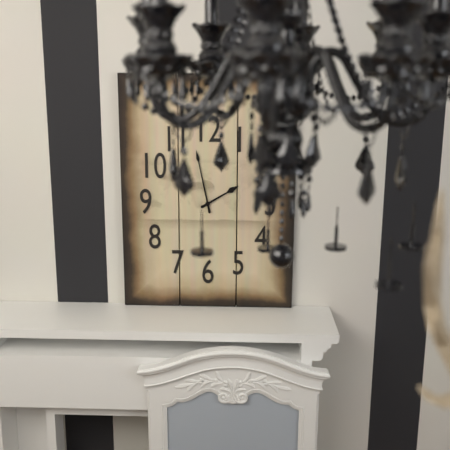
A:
**1:58**
